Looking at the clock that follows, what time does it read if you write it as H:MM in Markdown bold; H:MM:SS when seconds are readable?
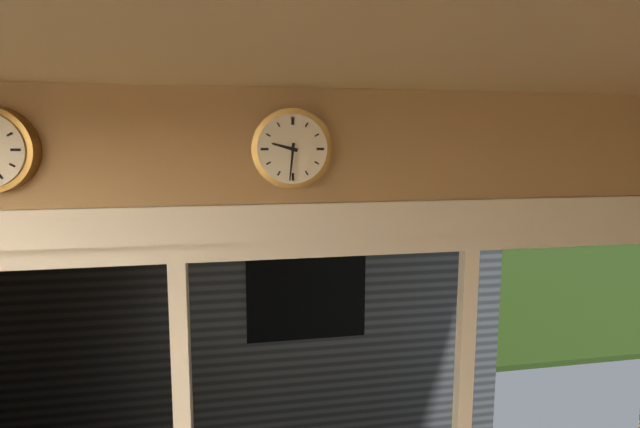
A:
**9:31**
